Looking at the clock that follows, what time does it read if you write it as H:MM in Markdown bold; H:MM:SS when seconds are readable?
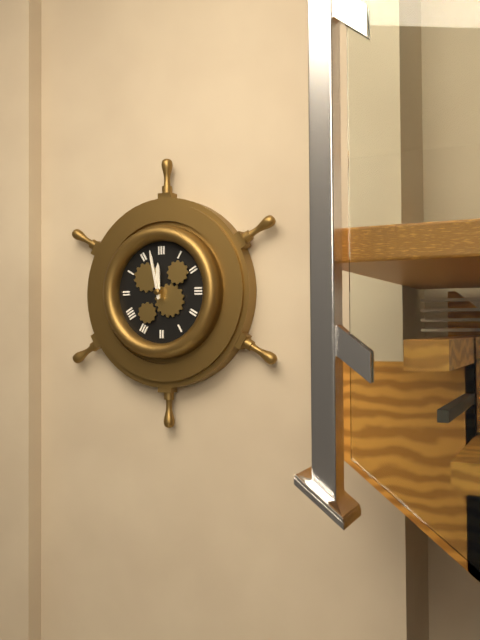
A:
**11:58**
